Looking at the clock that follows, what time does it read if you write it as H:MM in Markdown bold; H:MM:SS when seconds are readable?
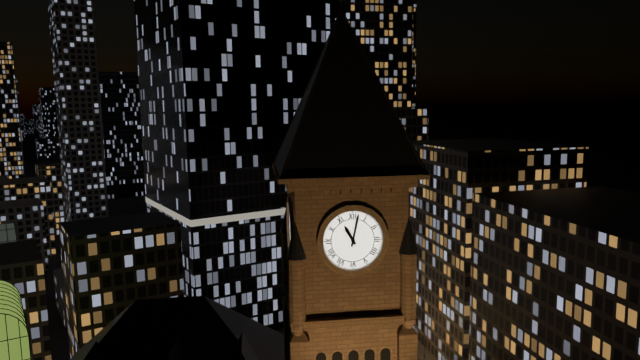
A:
**11:02**
